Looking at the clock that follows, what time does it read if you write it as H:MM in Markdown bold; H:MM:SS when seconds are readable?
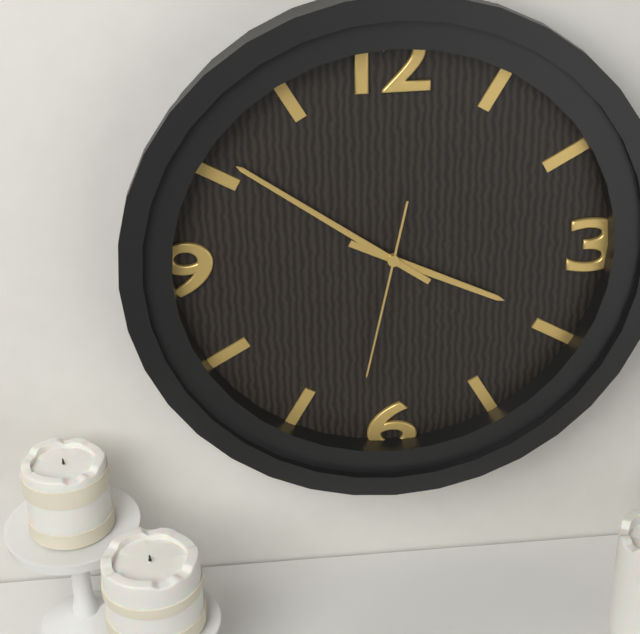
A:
**3:51:32**
